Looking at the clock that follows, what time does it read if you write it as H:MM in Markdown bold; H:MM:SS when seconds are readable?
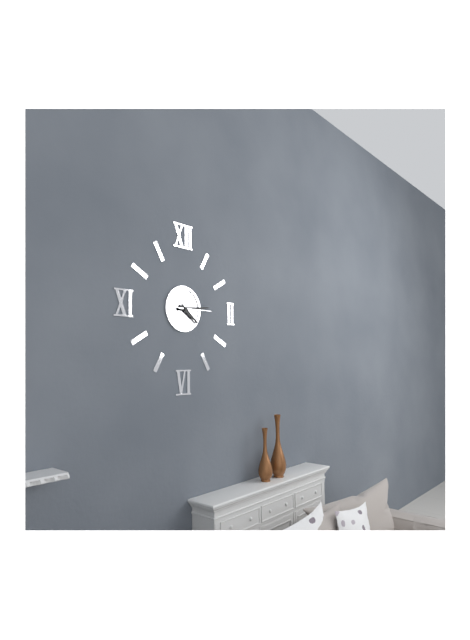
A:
**4:14**
